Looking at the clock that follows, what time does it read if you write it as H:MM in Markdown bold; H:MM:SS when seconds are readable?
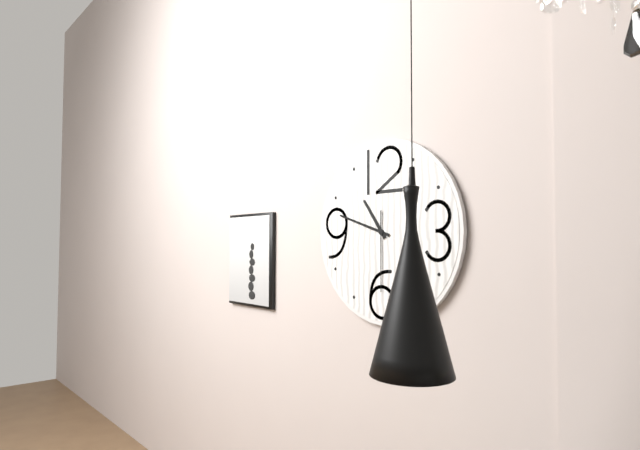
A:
**10:48:30**
